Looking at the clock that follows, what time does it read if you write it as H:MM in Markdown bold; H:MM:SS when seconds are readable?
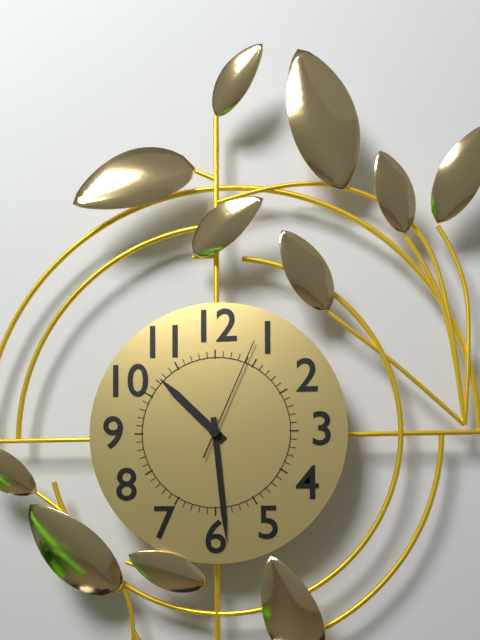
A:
**10:29:04**
